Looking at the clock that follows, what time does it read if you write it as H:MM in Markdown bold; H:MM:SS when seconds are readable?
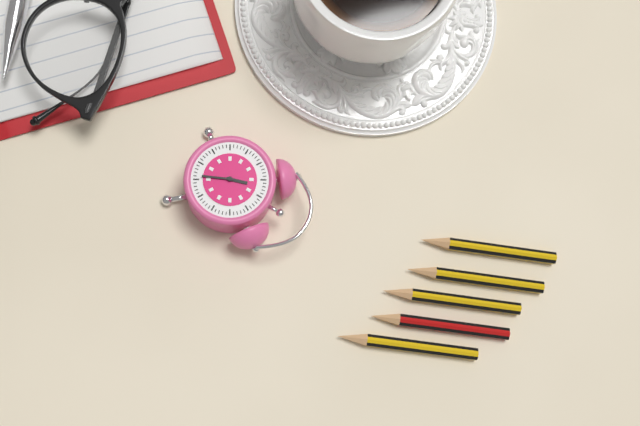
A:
**11:26**
